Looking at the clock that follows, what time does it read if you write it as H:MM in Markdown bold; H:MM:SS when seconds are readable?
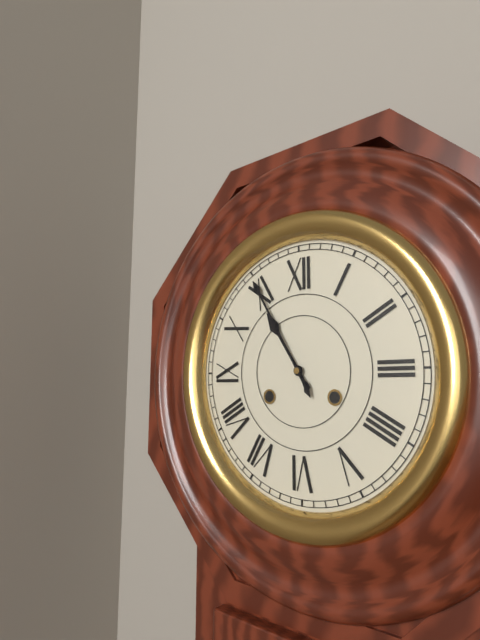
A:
**10:55**
